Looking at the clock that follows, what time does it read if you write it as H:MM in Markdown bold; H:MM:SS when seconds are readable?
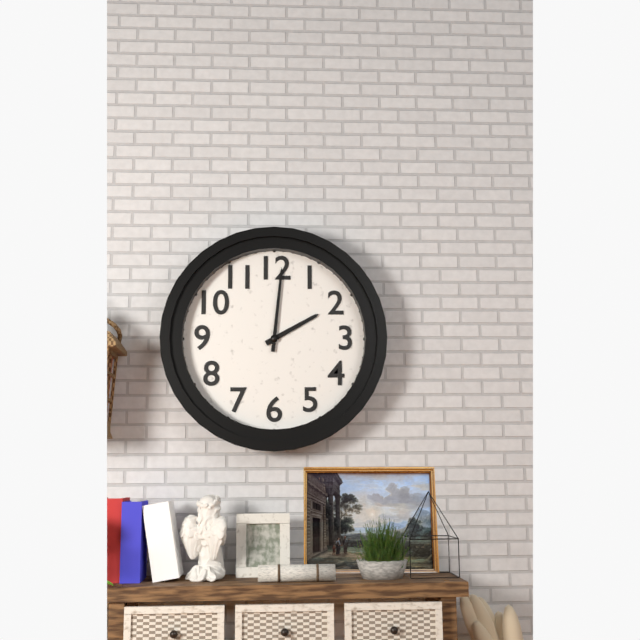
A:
**2:01**
